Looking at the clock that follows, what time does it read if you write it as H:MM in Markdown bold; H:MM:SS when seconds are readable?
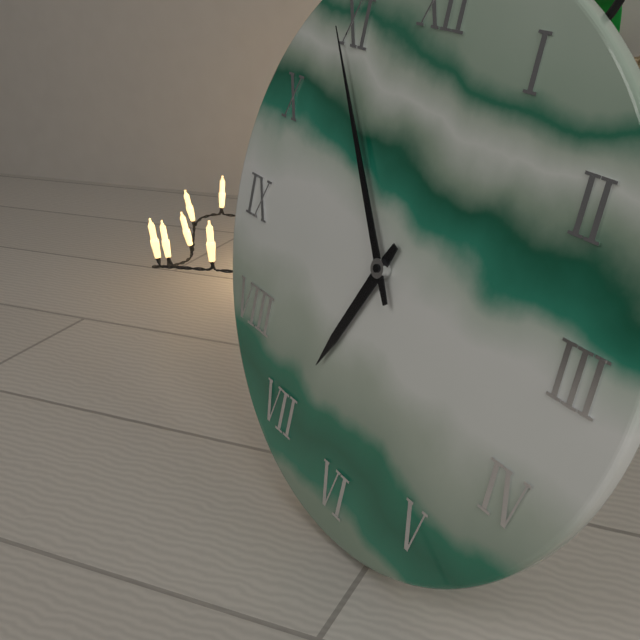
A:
**6:54**
